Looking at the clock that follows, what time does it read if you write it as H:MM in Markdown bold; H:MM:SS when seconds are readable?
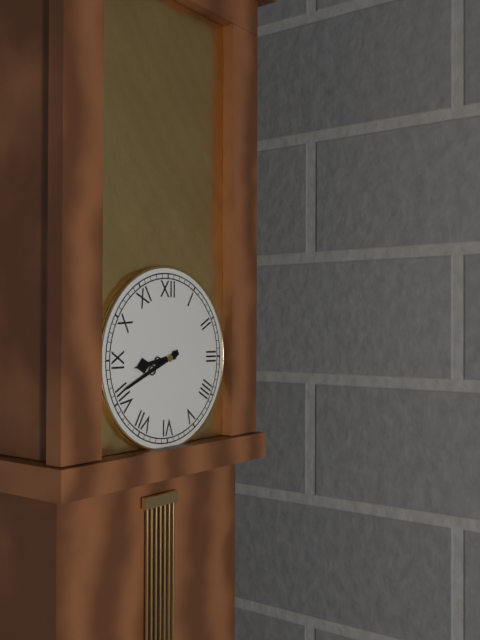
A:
**8:41**
